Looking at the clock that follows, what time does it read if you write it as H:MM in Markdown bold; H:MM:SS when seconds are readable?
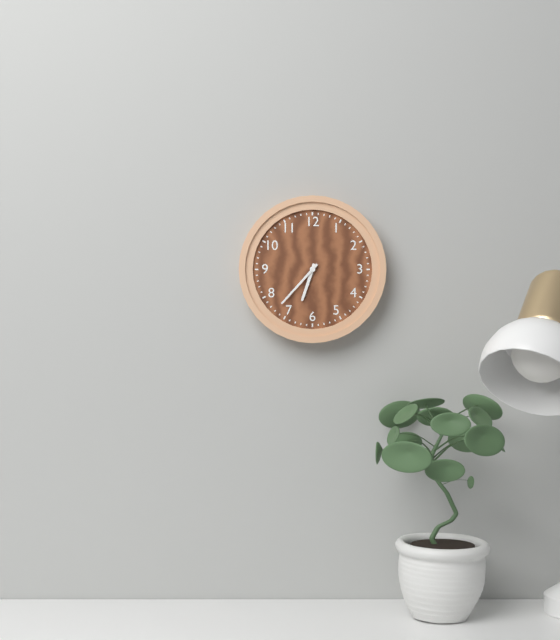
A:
**6:37**
